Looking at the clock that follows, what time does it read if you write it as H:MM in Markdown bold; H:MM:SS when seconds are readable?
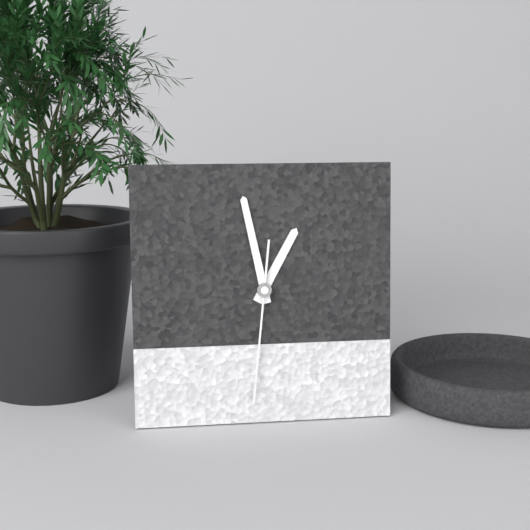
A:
**12:58:31**
